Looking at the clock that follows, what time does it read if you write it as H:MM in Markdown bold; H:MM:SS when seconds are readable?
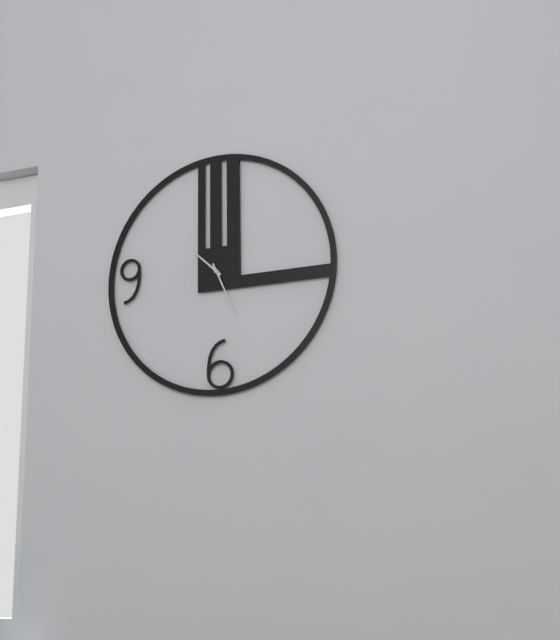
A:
**10:26**
